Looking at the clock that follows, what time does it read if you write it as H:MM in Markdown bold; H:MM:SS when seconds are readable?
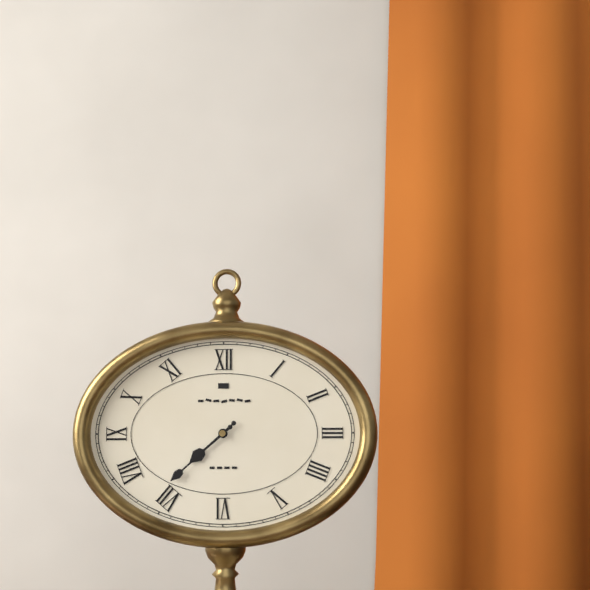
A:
**7:38**
